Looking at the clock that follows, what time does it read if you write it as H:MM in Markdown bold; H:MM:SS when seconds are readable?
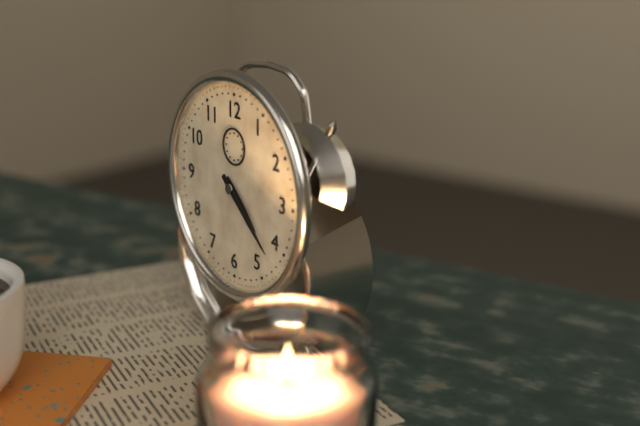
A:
**4:22**
